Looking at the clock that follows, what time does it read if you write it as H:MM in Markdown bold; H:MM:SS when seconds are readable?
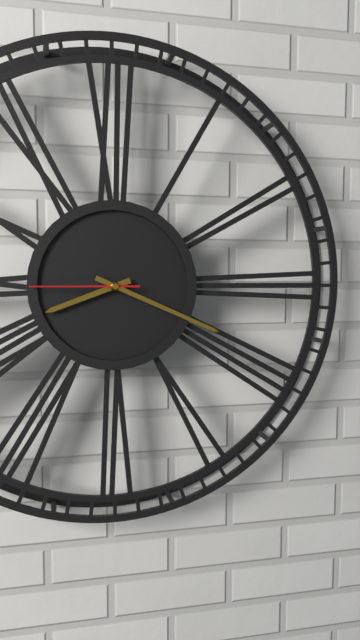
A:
**8:19:45**
